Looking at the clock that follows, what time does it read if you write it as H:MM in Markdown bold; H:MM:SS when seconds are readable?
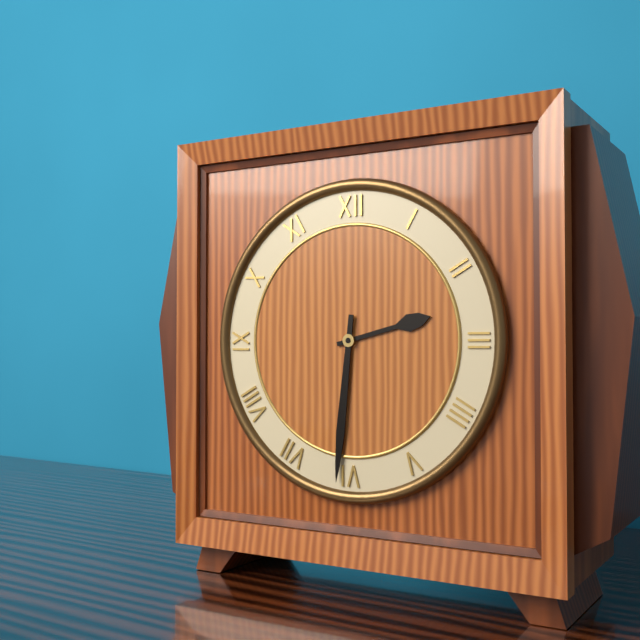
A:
**2:31**
